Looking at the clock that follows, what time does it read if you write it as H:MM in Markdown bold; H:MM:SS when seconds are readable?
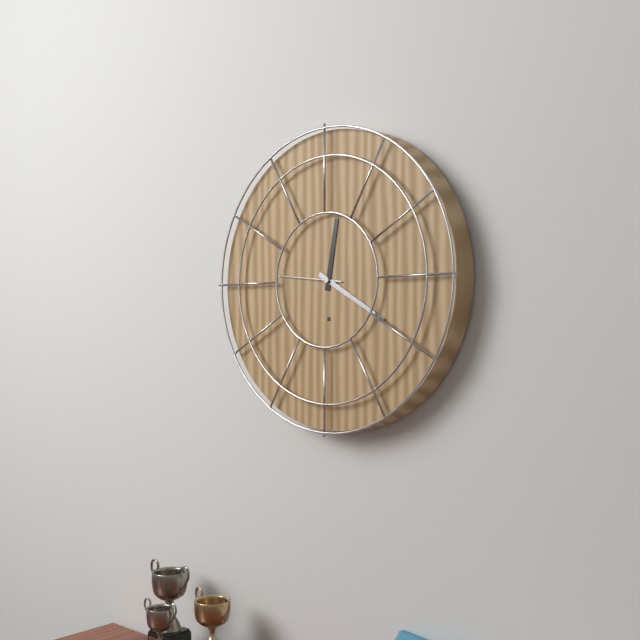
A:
**12:20:46**
